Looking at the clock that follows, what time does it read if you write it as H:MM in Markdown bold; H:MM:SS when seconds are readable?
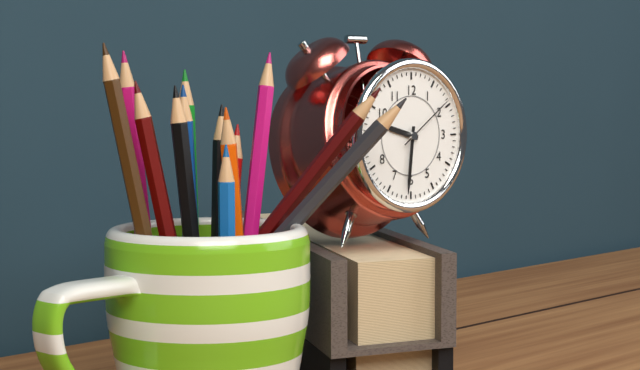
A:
**9:31:09**
